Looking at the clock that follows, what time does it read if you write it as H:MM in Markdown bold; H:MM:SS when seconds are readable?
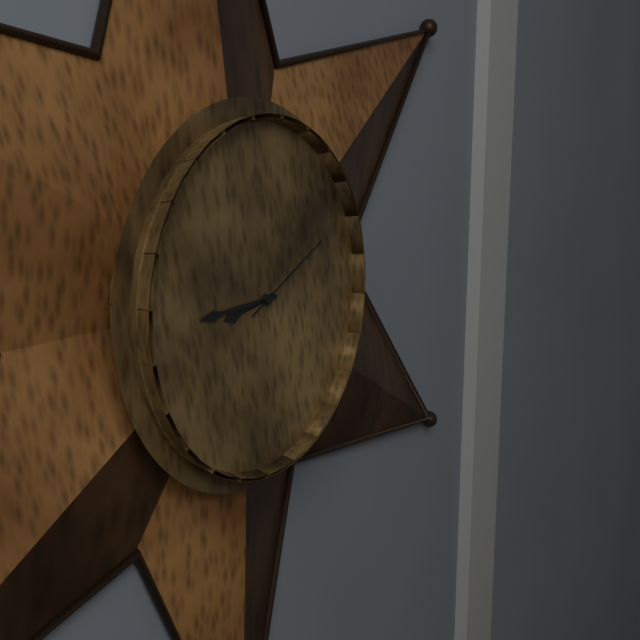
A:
**8:45:11**
